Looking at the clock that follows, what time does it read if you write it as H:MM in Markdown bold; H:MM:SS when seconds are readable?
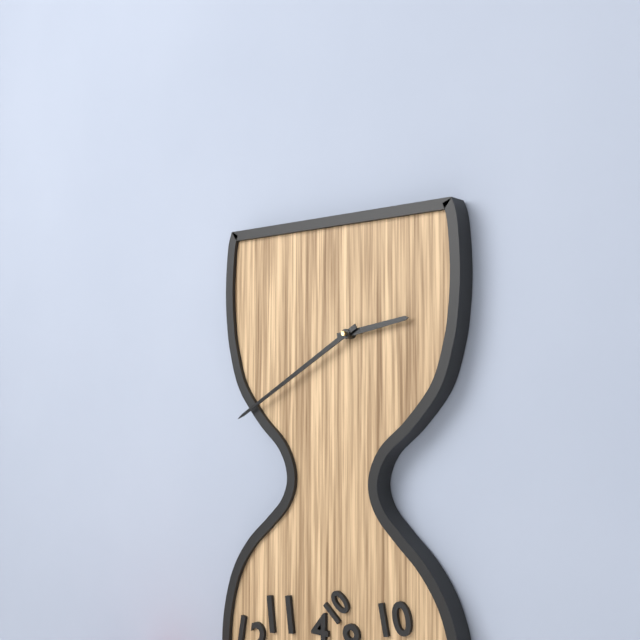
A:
**2:40**
